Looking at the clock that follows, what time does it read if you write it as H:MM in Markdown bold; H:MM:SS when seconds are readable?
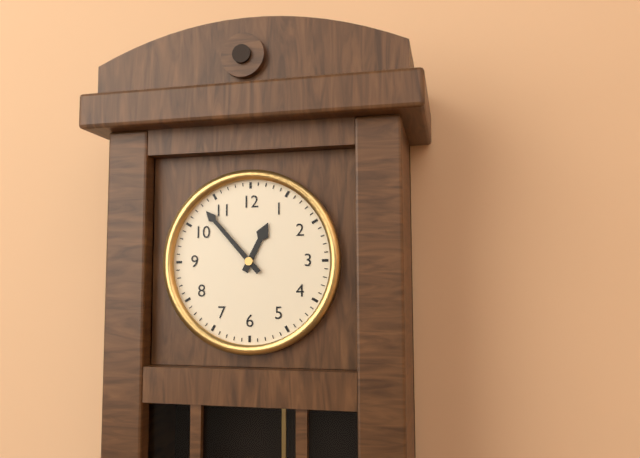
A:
**12:53**
